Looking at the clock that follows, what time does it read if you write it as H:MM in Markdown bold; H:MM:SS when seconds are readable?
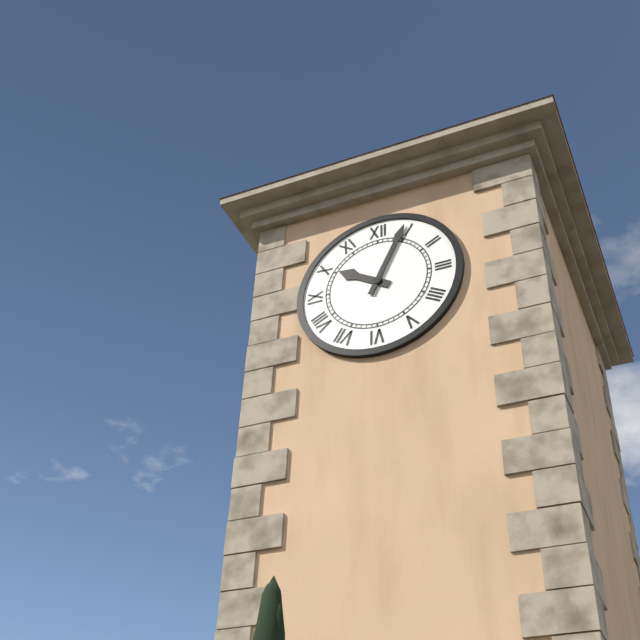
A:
**10:04**
